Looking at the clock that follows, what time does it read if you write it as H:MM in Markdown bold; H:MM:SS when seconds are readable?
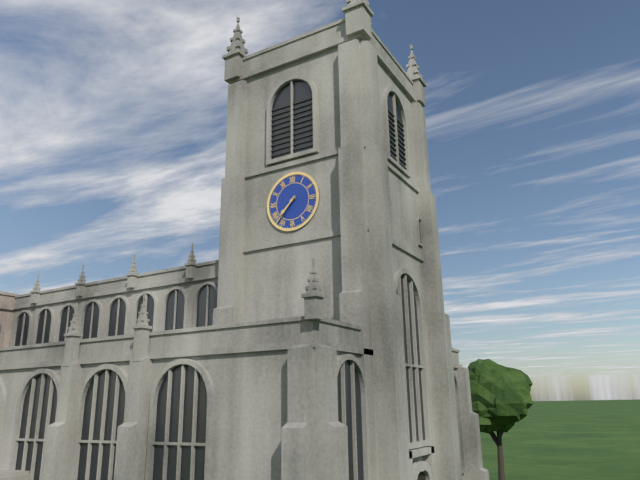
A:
**7:37**
